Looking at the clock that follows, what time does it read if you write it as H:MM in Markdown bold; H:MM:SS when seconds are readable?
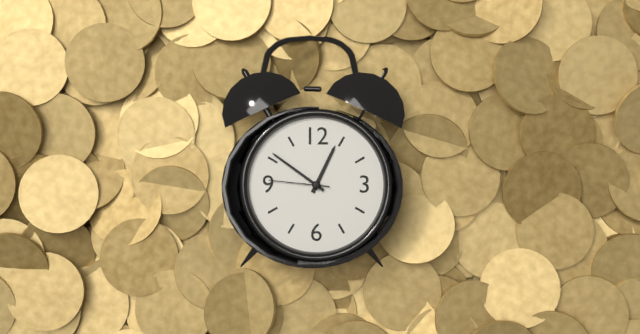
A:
**12:51:46**
